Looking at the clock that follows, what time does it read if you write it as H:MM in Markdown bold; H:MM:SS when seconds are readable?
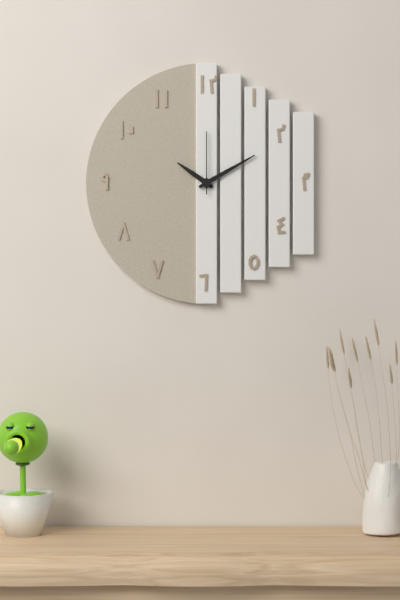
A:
**10:10:00**
